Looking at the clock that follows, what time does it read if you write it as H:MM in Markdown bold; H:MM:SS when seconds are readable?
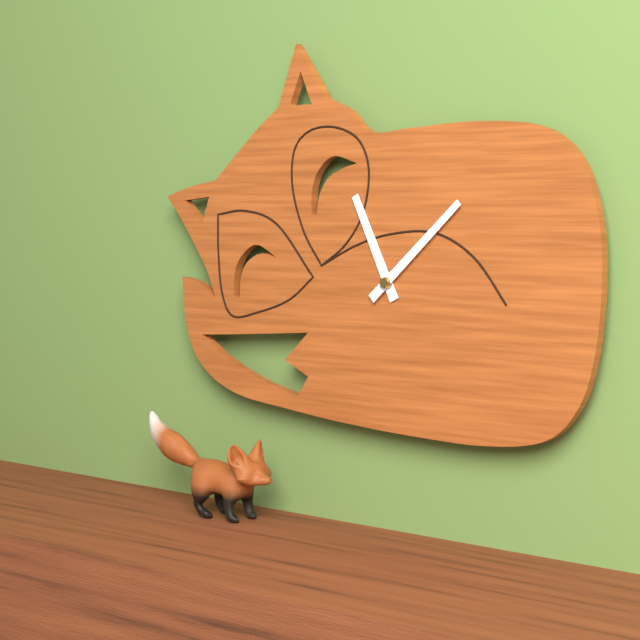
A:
**11:08**
